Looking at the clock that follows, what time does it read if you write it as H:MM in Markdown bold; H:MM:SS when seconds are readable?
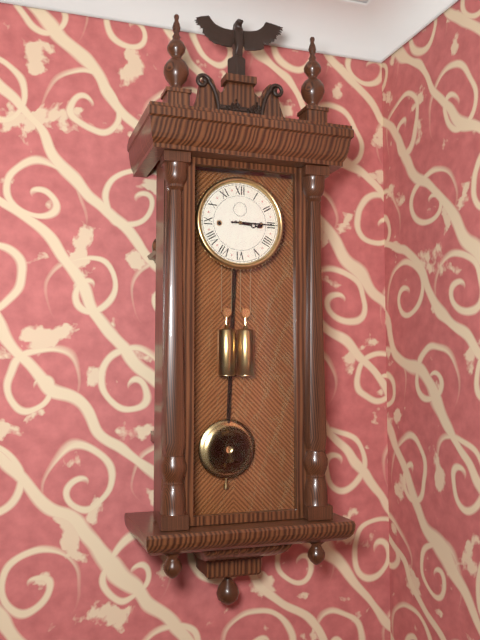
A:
**3:15**
